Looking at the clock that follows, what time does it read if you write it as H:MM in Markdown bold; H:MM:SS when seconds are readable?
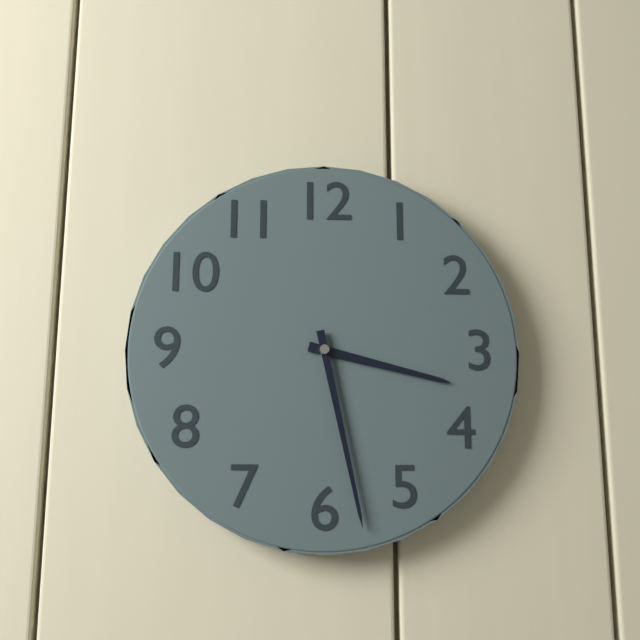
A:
**3:28**
